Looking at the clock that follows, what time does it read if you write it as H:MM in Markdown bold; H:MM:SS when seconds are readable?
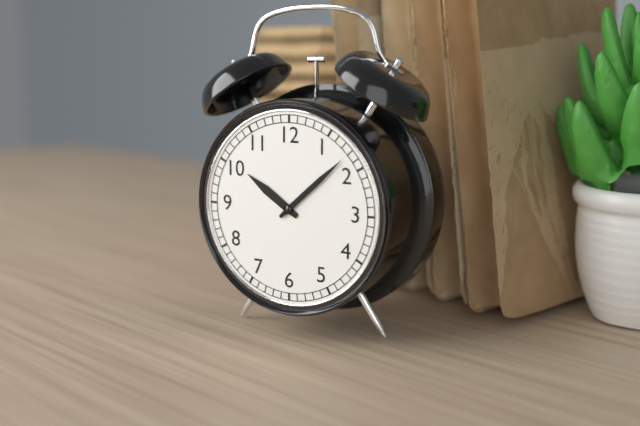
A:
**10:08**
